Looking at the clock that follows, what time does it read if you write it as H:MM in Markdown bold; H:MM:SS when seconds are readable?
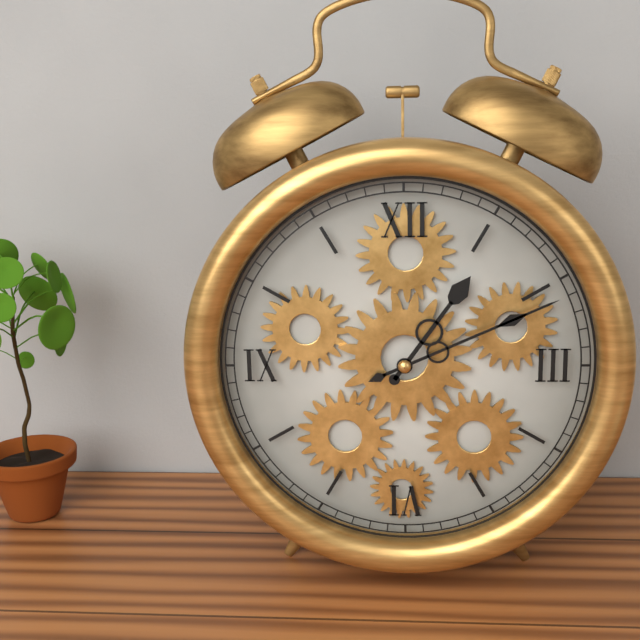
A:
**1:11**
